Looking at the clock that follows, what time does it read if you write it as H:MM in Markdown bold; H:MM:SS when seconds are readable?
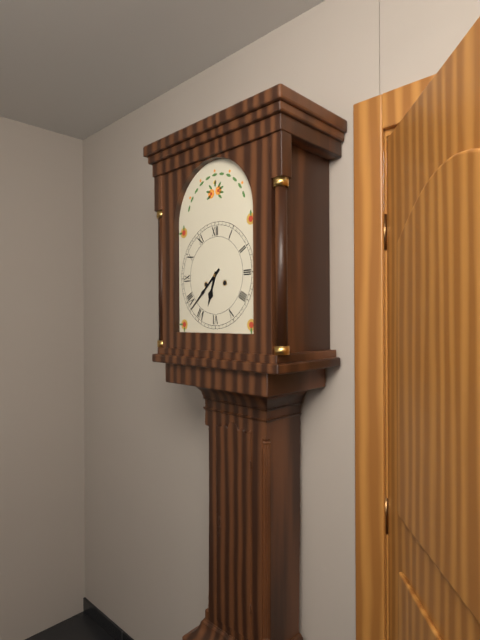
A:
**6:38**
